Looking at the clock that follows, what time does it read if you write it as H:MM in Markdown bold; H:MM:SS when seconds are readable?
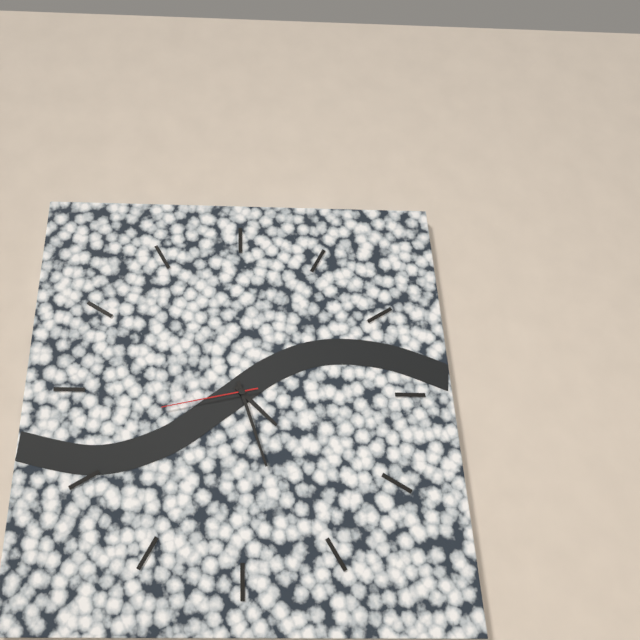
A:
**4:27:43**
